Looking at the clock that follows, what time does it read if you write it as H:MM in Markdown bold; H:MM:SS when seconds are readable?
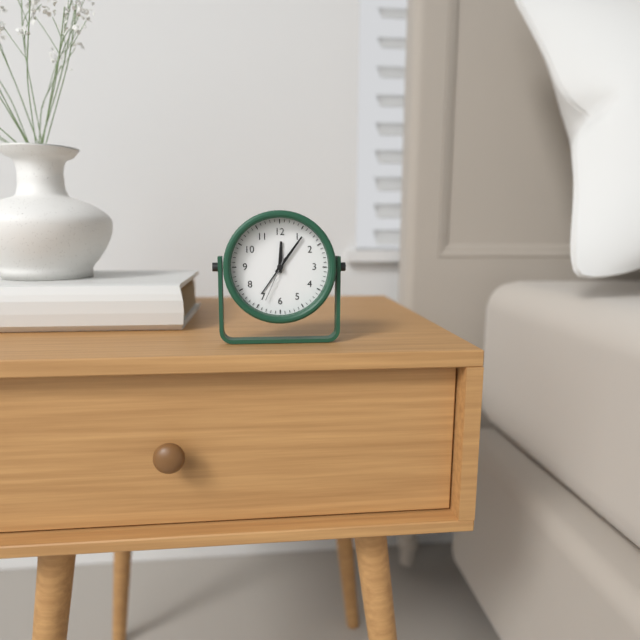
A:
**12:06**
